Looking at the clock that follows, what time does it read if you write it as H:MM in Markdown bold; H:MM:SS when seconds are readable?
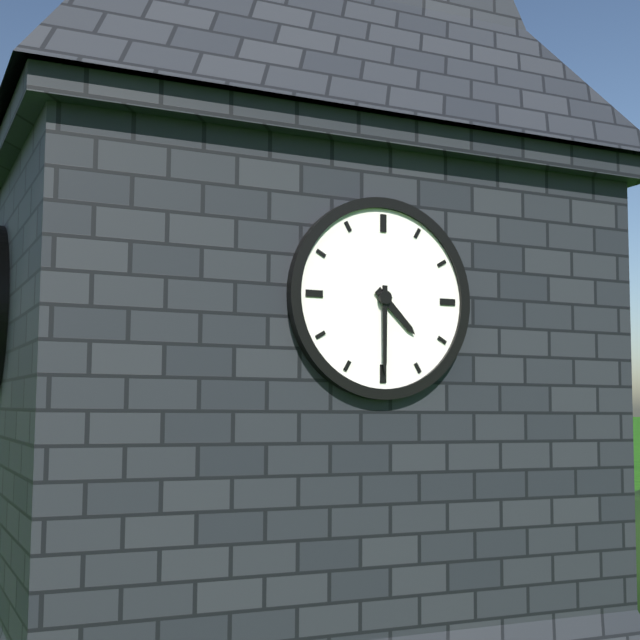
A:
**4:30**
